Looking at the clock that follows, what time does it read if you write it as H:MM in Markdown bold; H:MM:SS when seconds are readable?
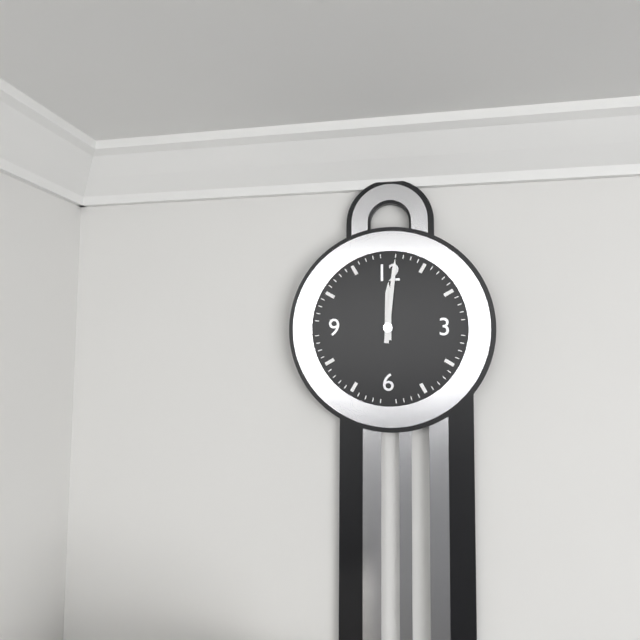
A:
**12:01**
